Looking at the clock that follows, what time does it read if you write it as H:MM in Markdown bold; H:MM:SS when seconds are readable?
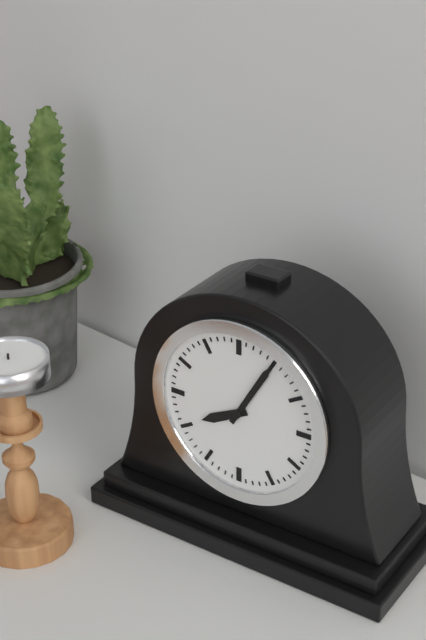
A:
**8:05**
